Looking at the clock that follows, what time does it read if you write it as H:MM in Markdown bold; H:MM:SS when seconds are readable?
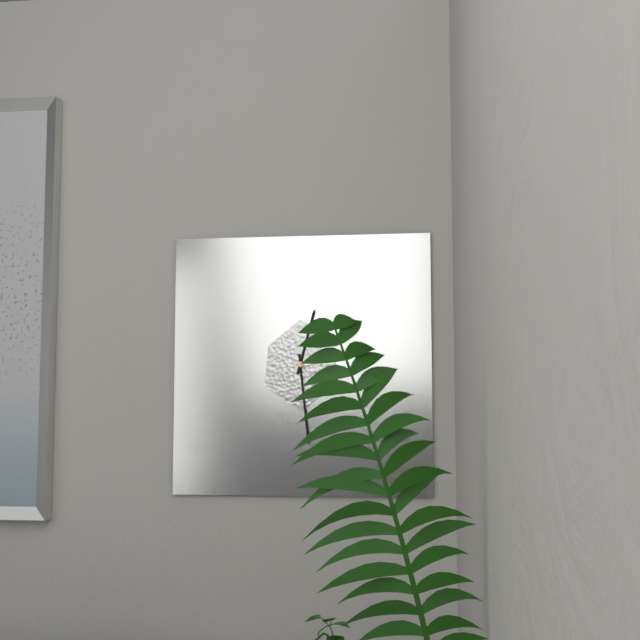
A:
**12:29**
